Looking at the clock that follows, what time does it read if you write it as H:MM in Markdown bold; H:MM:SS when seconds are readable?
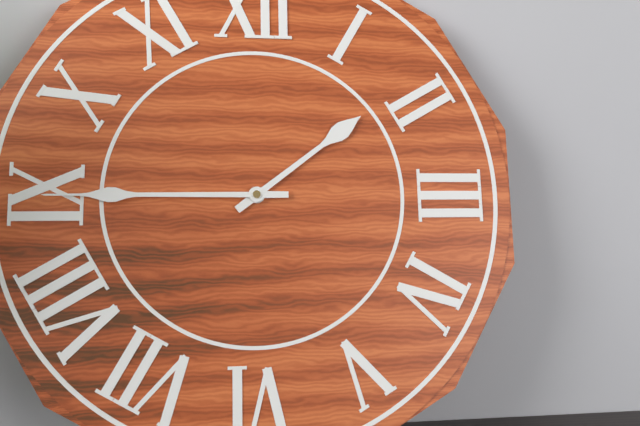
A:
**1:45**
